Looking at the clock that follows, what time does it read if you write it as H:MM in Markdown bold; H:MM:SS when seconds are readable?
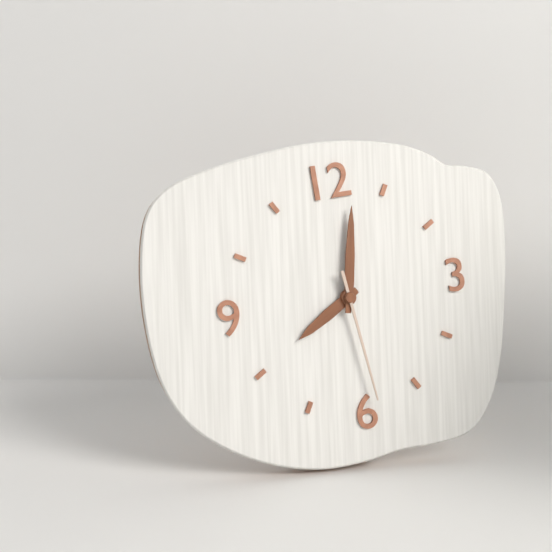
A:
**8:02:29**
